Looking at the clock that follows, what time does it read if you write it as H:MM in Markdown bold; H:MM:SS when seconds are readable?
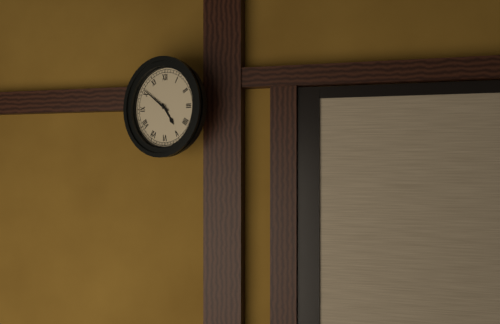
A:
**4:51**
